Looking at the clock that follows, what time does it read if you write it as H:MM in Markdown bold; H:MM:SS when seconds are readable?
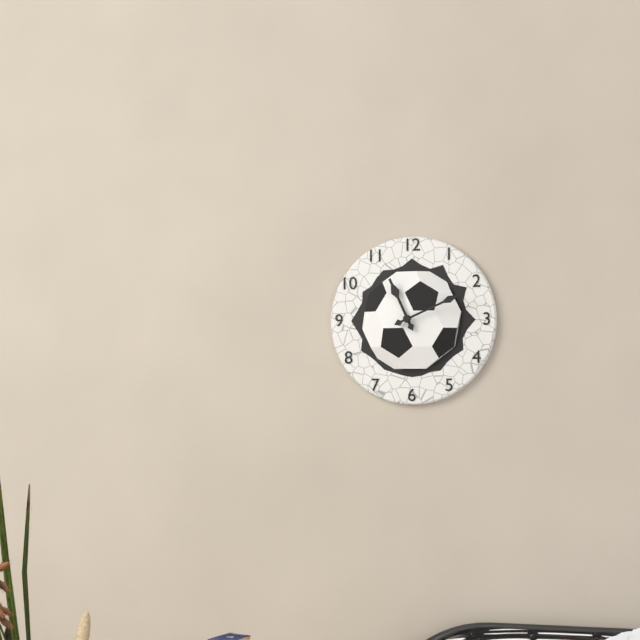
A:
**11:11**
